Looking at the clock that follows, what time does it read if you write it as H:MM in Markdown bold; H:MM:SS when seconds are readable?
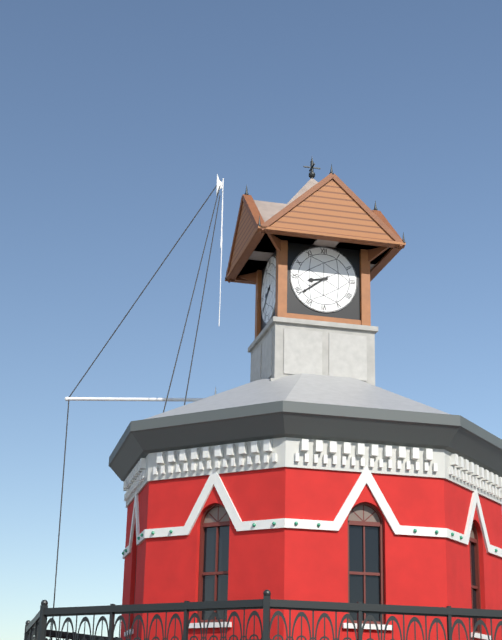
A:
**8:39**
